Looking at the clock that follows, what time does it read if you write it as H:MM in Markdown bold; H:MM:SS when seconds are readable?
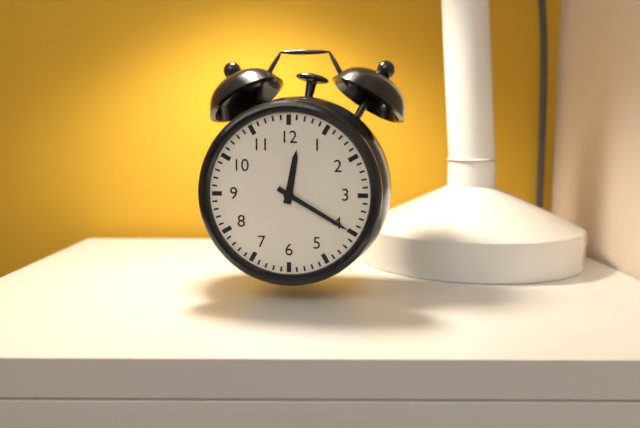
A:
**12:20**
